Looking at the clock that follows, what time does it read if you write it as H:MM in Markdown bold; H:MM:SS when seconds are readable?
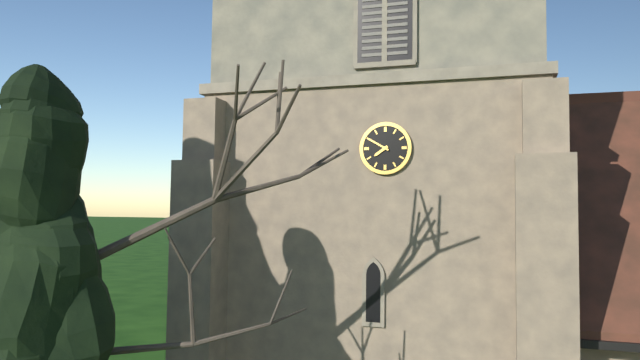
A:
**7:50**
